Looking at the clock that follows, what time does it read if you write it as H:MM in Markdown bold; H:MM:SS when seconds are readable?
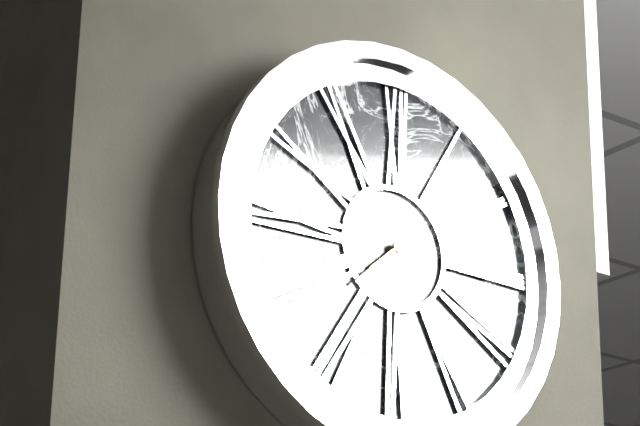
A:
**7:38**
